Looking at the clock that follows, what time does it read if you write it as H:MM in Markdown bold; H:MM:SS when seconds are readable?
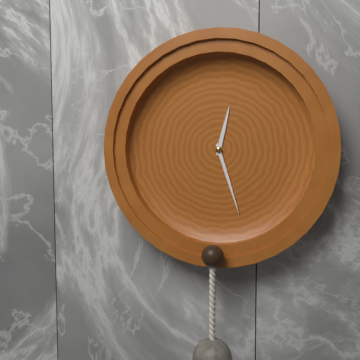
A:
**12:27**
